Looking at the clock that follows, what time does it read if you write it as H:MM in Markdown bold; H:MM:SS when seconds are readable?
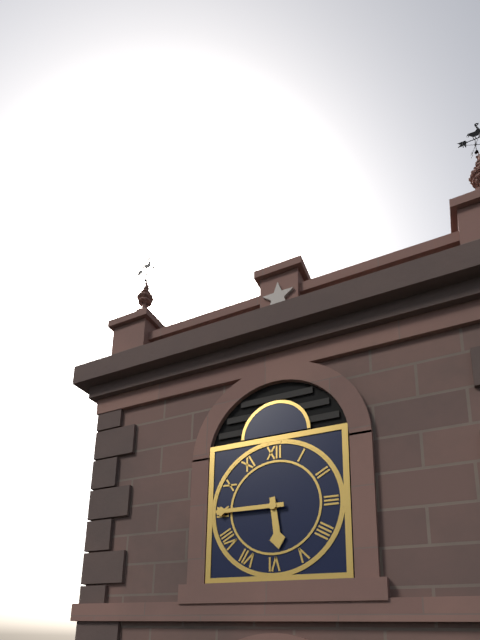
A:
**5:45**
